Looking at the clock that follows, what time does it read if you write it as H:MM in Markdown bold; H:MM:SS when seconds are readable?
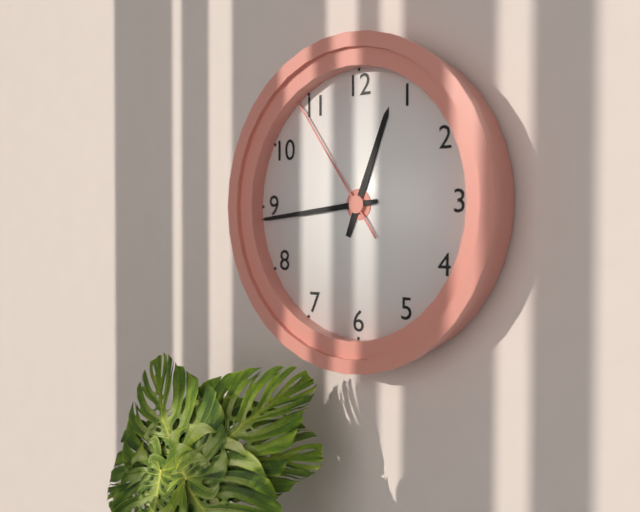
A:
**12:44:54**
